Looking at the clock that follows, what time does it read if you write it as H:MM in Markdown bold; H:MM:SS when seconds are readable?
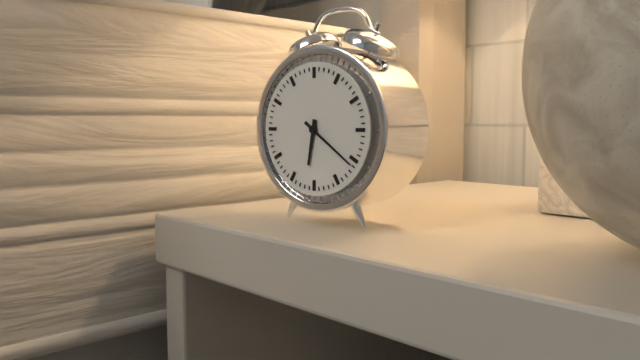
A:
**6:21**
